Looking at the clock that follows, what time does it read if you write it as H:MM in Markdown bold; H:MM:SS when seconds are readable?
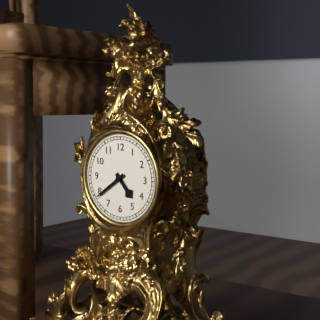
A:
**4:39**
